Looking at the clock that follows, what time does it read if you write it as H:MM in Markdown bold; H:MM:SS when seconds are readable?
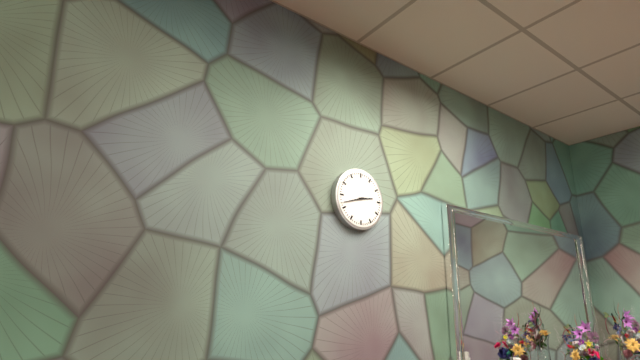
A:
**2:42**
